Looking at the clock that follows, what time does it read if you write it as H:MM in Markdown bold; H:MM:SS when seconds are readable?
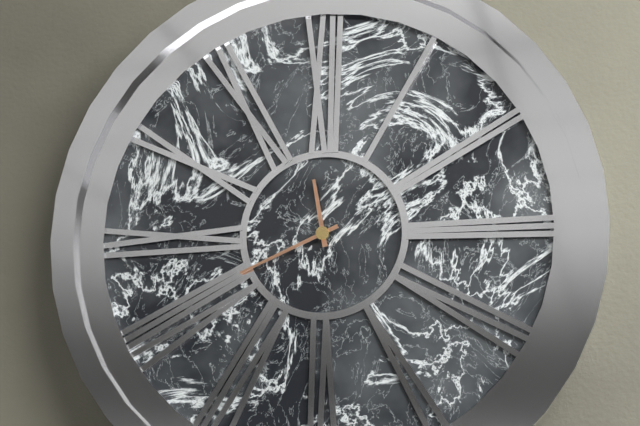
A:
**11:41**
